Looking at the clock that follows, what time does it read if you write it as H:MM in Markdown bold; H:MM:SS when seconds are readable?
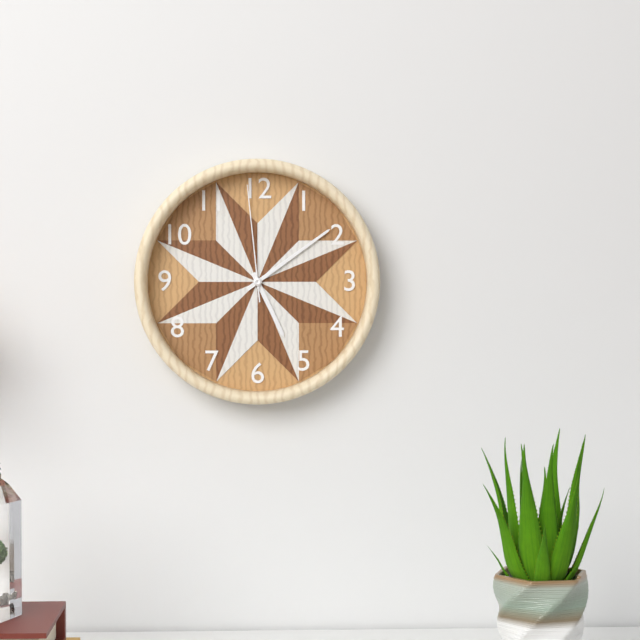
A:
**5:09:59**
